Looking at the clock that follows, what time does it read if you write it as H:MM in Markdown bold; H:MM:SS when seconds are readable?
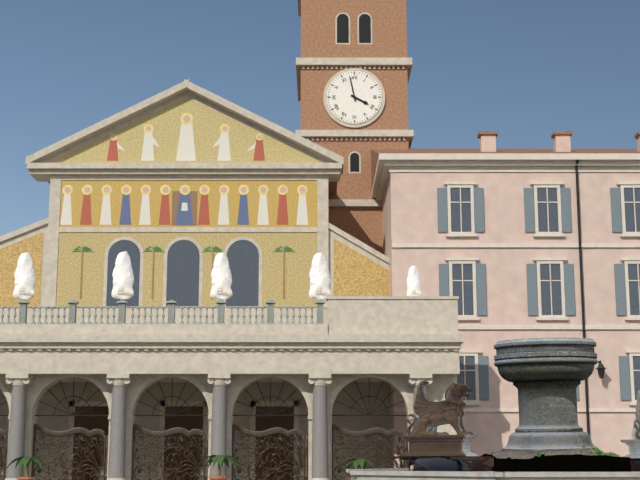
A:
**3:58**
